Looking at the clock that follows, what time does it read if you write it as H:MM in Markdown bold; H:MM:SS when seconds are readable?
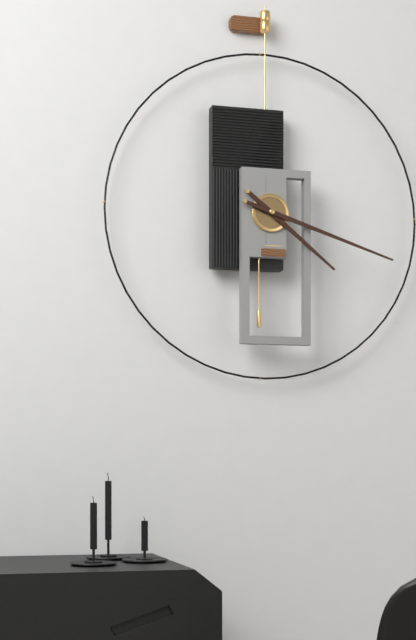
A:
**4:18**
